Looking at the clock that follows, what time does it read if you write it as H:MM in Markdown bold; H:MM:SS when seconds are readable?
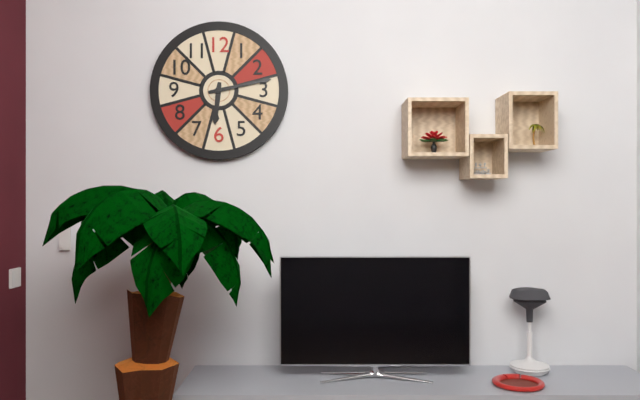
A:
**6:13**
